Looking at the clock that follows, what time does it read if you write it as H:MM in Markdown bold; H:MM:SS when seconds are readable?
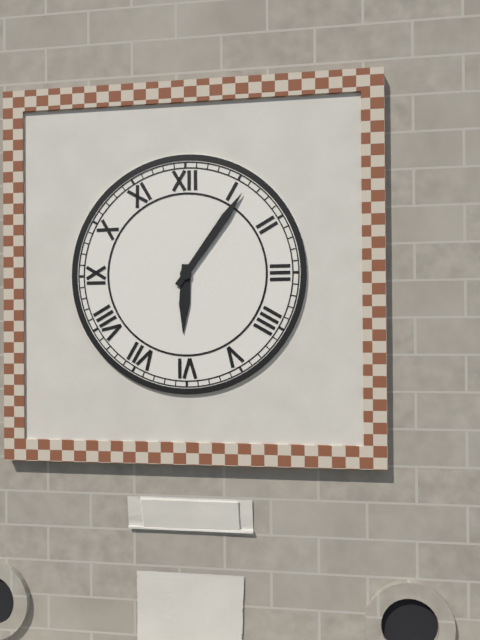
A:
**6:06**
